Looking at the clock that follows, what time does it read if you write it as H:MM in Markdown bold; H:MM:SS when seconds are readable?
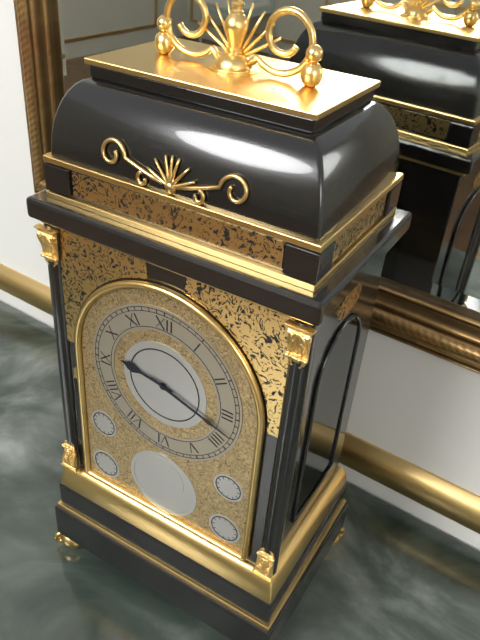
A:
**9:18**
